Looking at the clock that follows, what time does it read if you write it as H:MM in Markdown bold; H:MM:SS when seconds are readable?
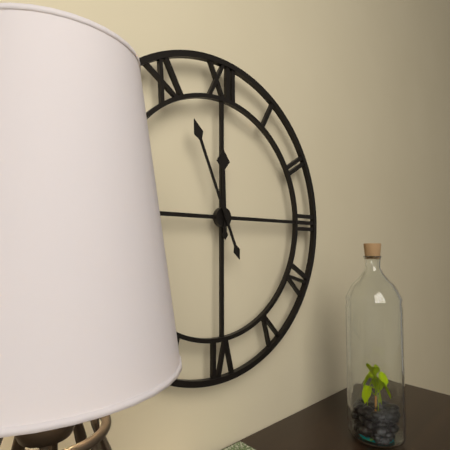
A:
**11:56**
